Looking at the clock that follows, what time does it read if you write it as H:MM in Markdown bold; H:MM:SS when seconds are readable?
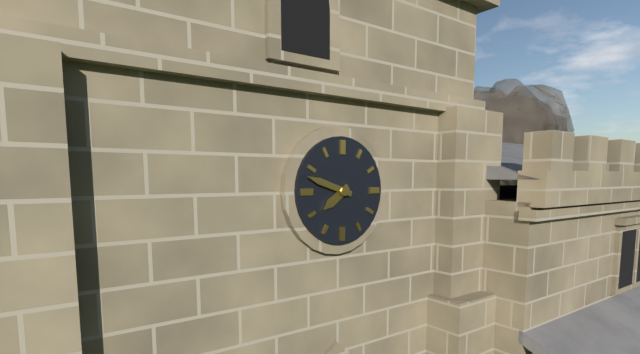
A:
**7:48**
